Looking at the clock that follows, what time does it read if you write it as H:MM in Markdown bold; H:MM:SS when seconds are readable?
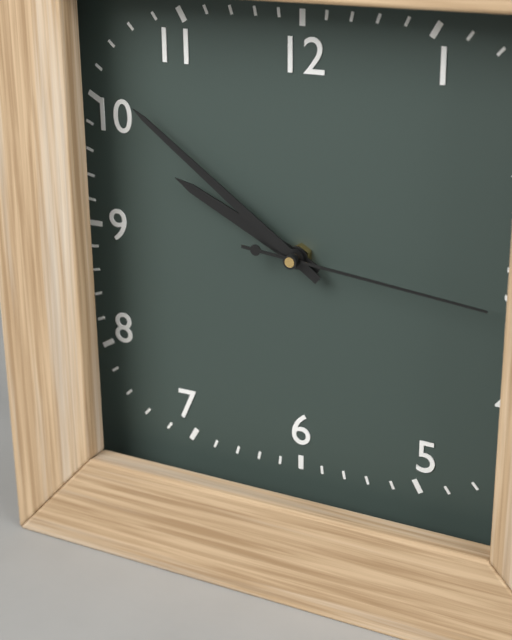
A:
**9:51:16**
